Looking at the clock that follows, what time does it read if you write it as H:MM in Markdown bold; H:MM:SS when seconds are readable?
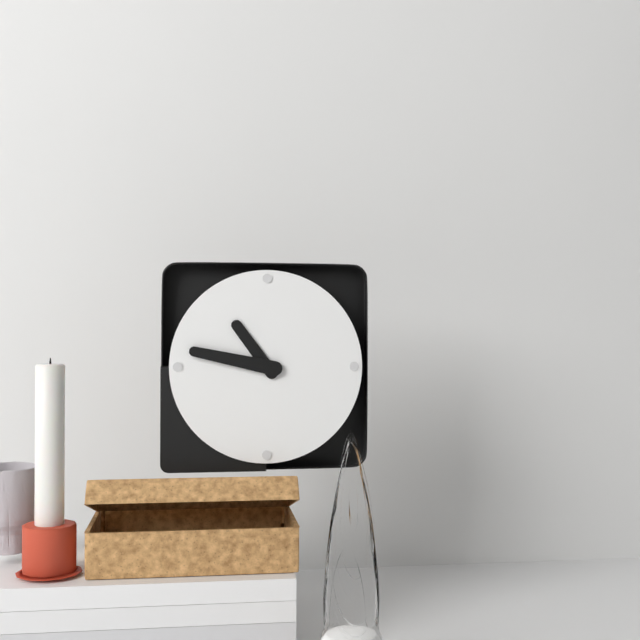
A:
**10:47**
